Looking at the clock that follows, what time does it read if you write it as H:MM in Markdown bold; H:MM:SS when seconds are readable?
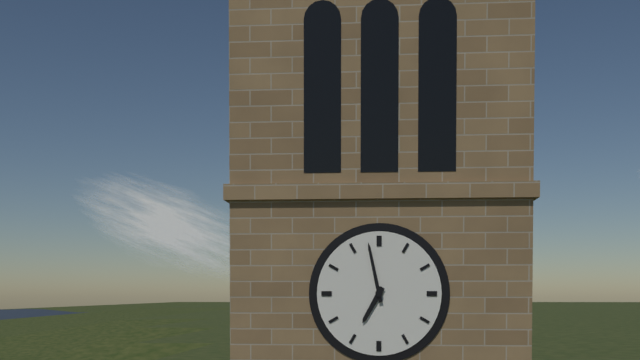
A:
**6:58**
